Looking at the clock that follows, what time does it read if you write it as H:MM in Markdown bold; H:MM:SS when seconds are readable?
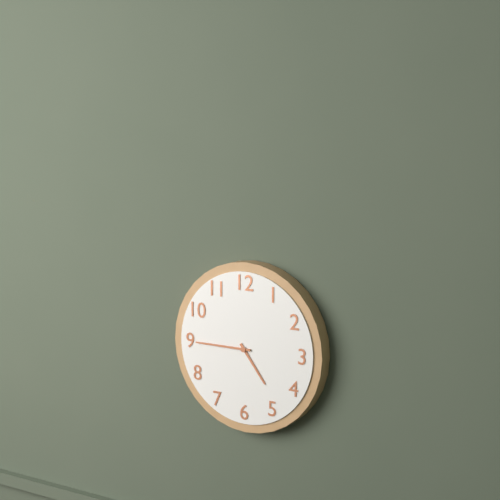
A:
**4:45**
